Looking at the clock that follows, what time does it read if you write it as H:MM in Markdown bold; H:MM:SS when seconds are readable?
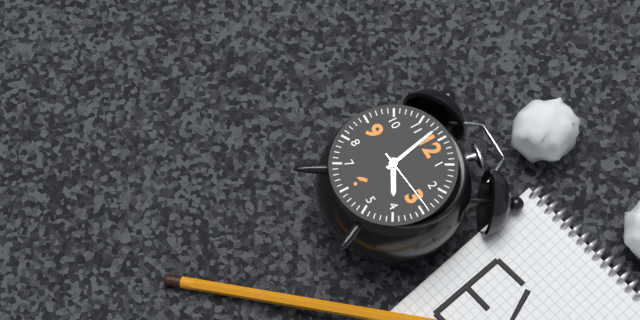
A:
**3:58:14**
